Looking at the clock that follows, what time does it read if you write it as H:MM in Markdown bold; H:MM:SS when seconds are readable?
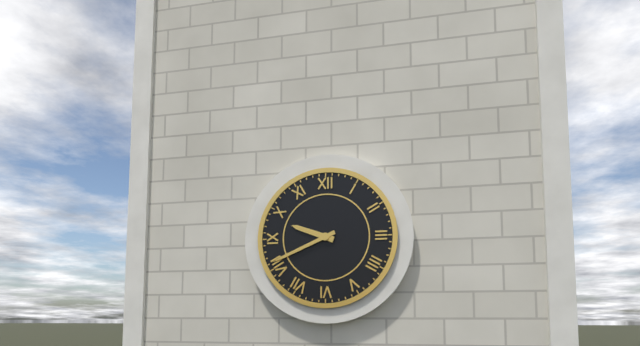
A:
**9:41**
